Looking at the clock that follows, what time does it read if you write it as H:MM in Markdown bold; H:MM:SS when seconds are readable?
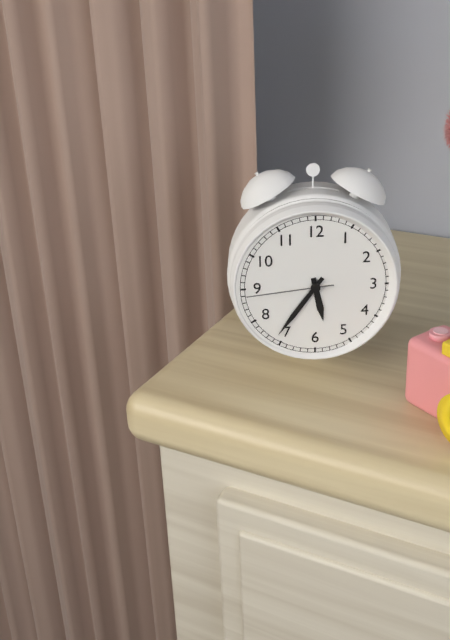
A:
**5:36:44**
